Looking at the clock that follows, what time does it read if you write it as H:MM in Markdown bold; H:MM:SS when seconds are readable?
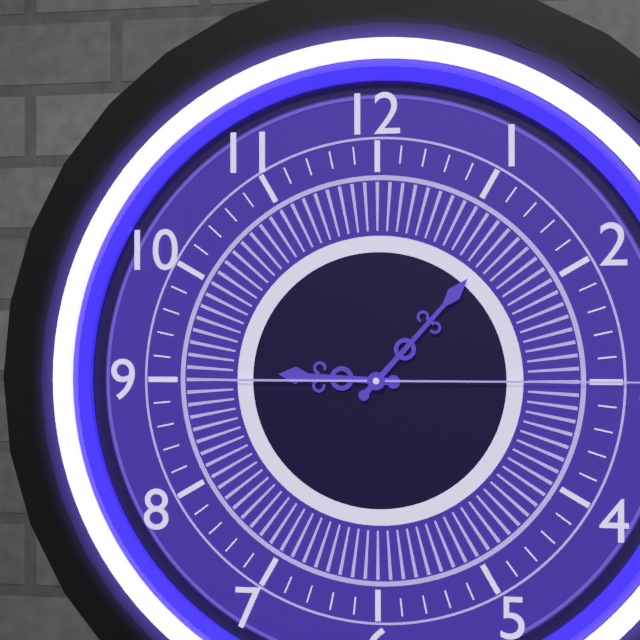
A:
**9:07**
